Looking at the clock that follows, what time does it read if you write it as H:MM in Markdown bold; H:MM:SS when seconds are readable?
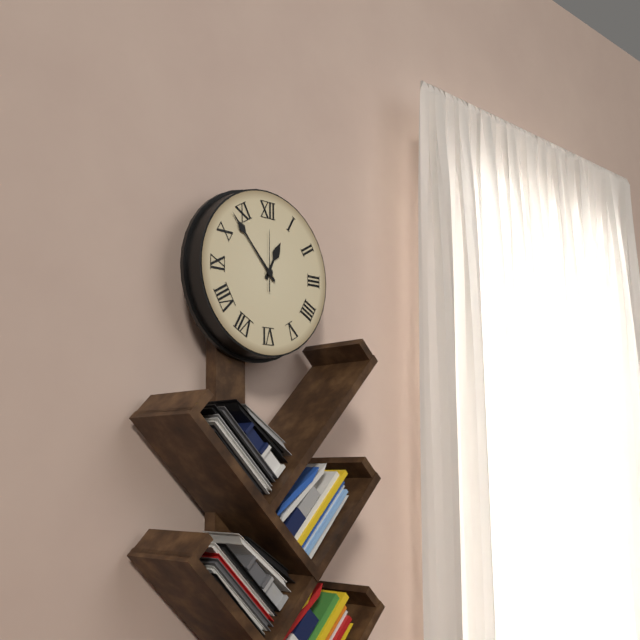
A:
**12:53:00**
